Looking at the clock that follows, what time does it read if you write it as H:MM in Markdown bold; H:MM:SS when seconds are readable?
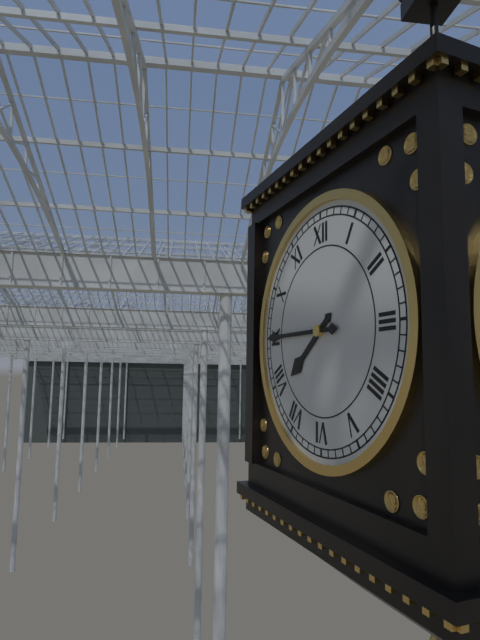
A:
**7:45**
